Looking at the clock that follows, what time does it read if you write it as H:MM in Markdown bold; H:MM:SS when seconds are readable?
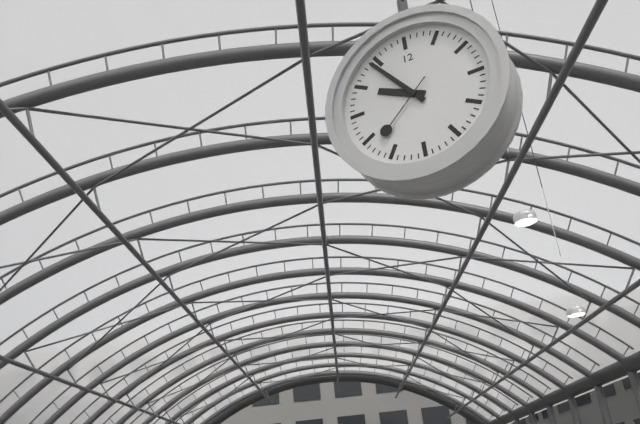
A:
**9:54:38**
